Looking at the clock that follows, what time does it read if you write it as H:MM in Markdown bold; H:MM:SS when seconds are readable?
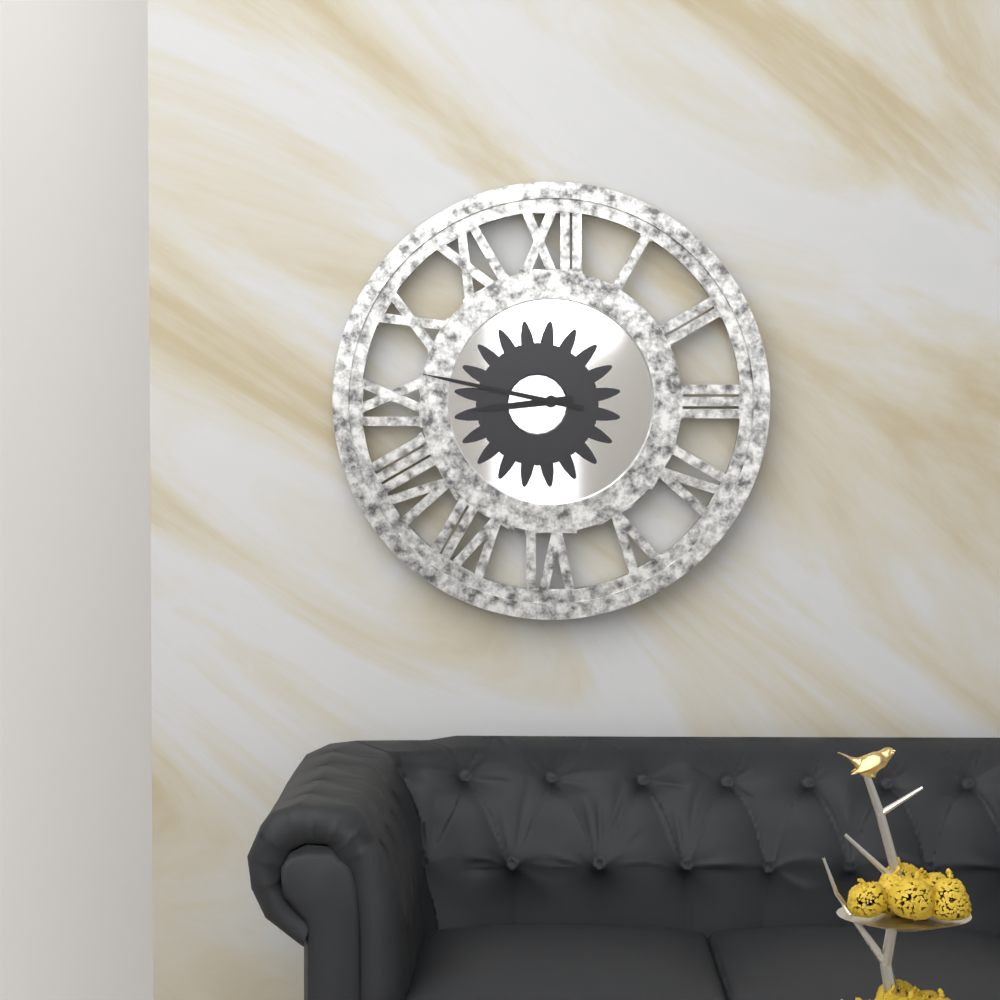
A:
**8:47**
